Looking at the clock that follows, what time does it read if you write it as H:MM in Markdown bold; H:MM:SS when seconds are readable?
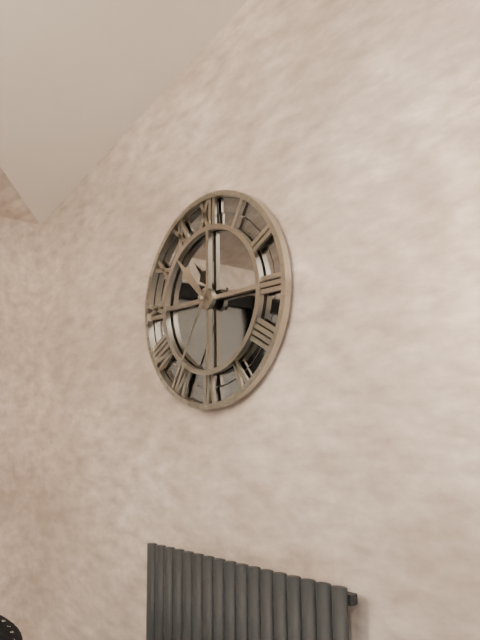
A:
**10:35**
